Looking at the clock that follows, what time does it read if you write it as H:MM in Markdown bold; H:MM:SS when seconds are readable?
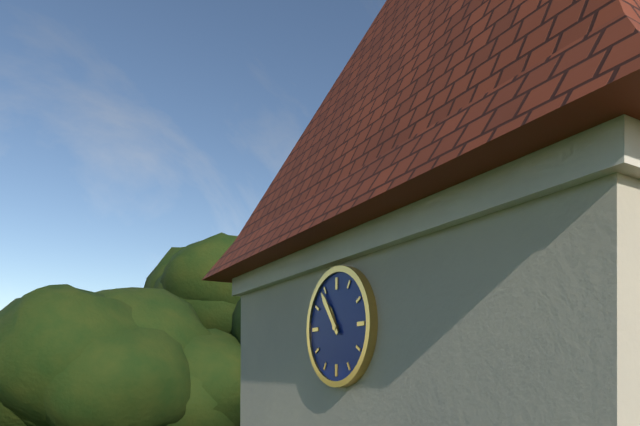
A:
**10:54**
